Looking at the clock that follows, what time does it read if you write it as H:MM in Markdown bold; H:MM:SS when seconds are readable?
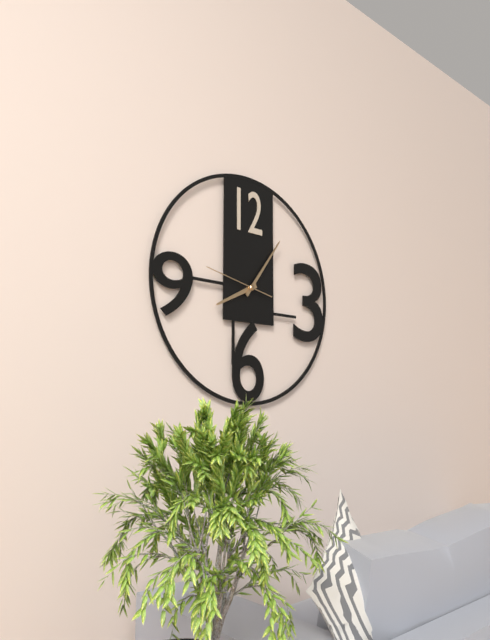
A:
**8:06:47**
